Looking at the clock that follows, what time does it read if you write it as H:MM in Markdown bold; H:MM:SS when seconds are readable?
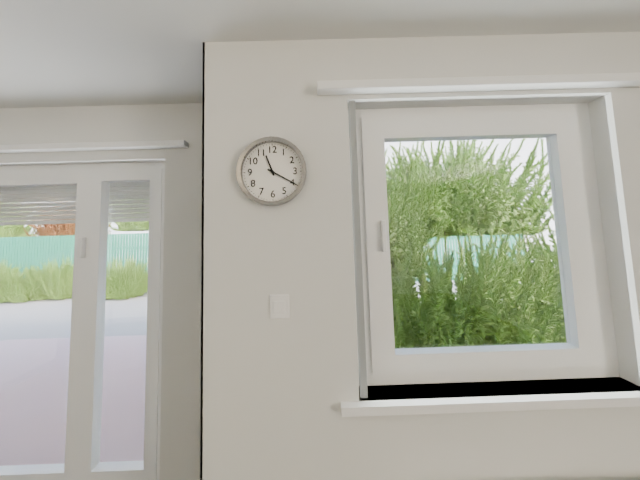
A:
**11:20**
